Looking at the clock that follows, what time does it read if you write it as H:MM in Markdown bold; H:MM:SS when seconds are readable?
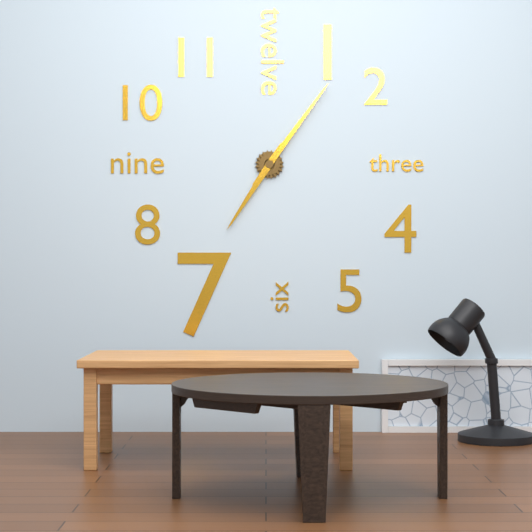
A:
**7:06**
